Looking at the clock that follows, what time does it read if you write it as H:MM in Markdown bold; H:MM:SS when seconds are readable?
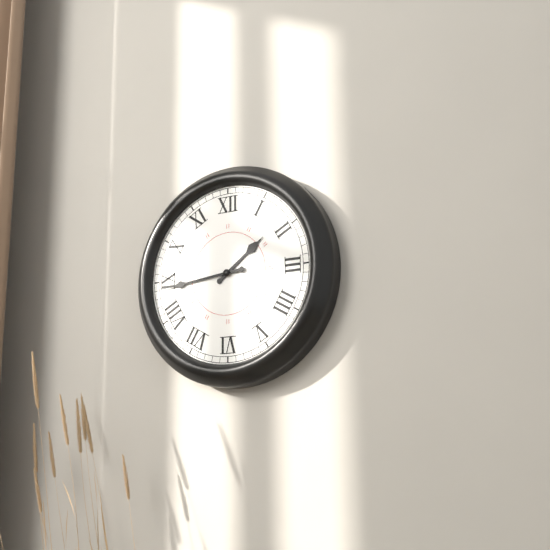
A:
**1:44**
